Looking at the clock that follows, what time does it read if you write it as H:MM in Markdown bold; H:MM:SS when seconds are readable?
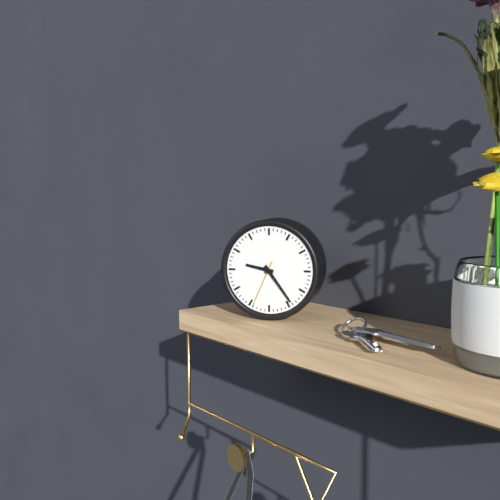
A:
**9:24**
